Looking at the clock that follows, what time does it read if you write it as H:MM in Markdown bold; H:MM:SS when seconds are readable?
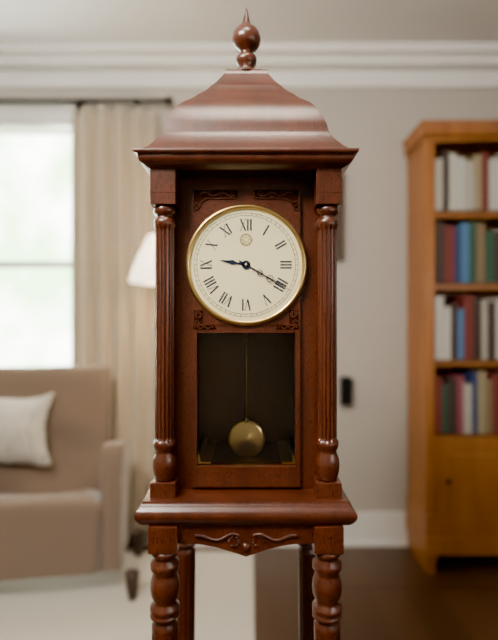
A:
**9:20**
